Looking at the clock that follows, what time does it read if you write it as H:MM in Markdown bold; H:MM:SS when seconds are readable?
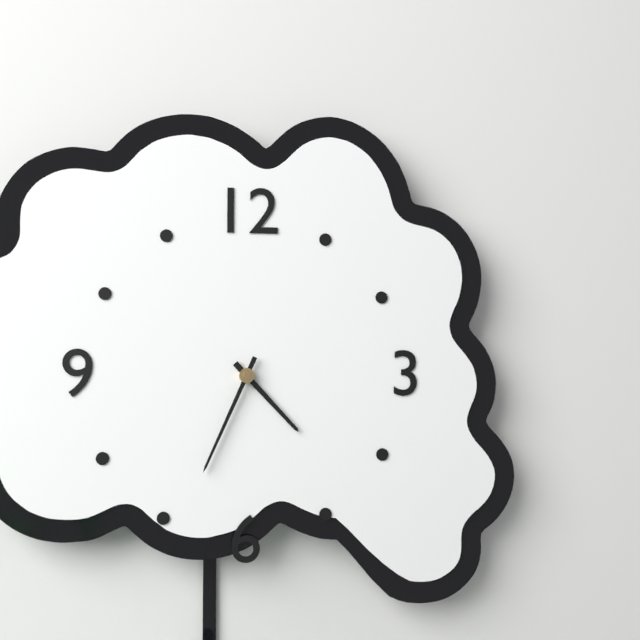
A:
**4:34**
